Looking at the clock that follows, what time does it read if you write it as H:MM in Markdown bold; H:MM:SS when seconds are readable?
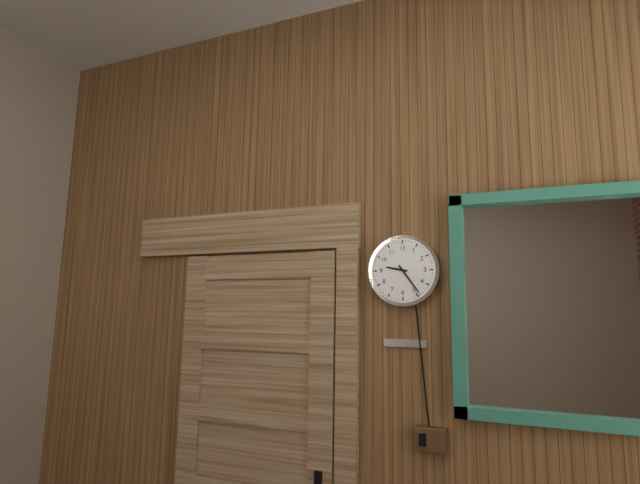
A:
**9:24**
